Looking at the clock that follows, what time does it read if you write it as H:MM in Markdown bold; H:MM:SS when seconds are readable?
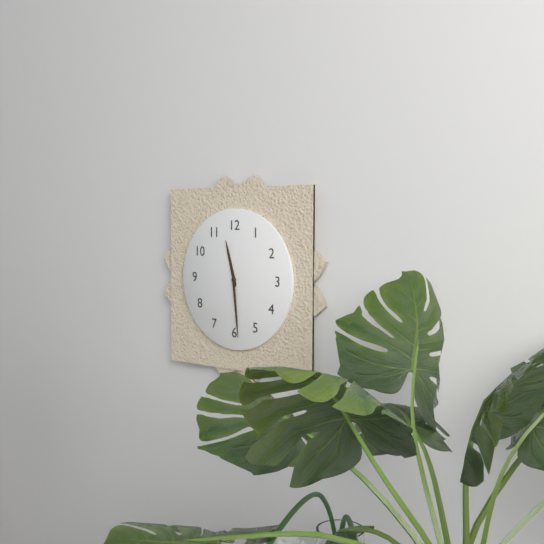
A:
**11:29**
